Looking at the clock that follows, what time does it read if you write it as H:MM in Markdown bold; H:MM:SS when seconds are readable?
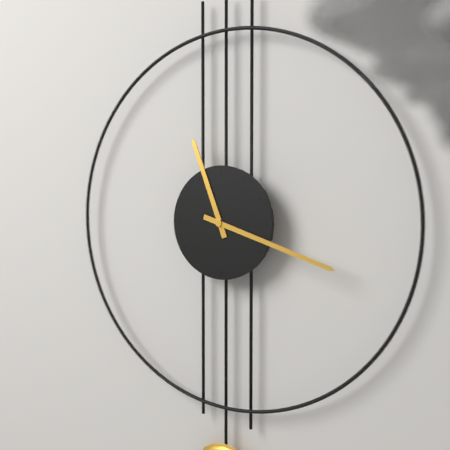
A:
**11:18**
